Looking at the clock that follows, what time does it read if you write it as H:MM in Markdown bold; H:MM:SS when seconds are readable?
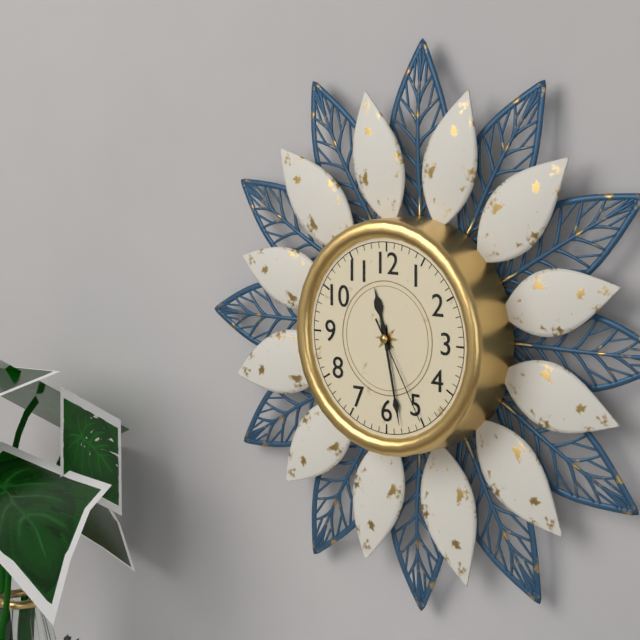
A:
**11:28:25**
